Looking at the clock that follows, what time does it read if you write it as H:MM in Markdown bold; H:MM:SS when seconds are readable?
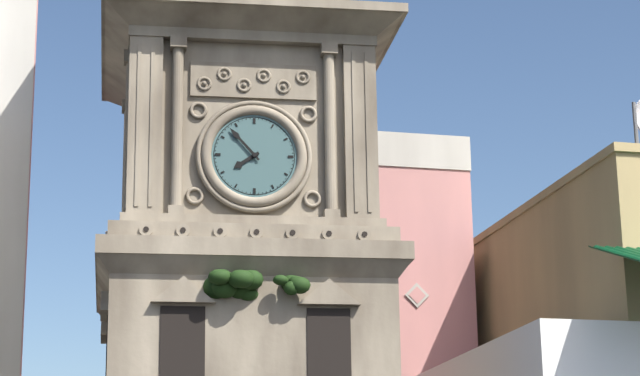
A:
**7:53**
